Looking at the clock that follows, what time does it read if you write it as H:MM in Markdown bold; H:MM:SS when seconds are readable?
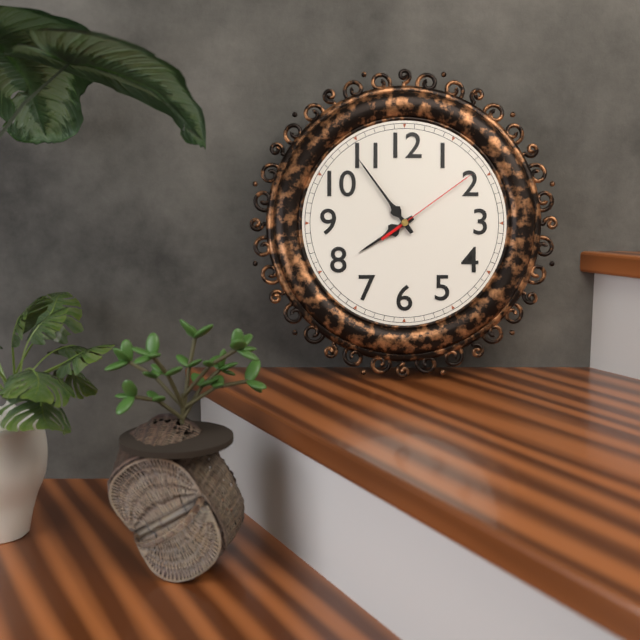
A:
**7:54:09**
